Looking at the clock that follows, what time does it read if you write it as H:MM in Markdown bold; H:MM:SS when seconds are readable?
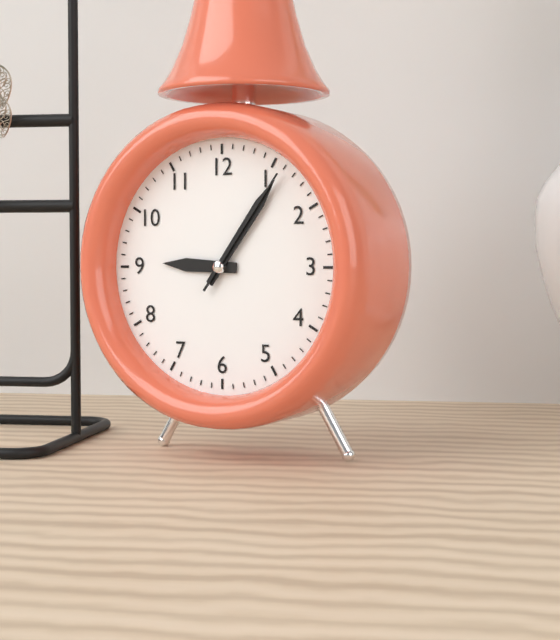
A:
**9:06:06**
